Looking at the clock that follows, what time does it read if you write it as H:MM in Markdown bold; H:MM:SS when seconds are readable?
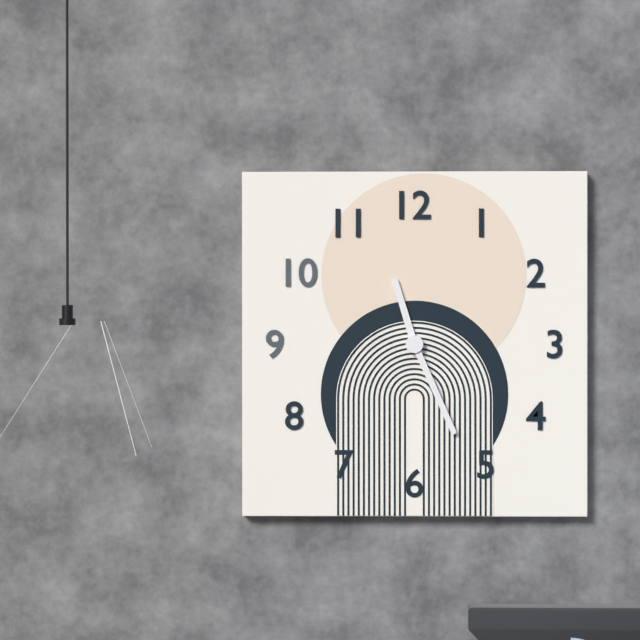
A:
**11:26**
